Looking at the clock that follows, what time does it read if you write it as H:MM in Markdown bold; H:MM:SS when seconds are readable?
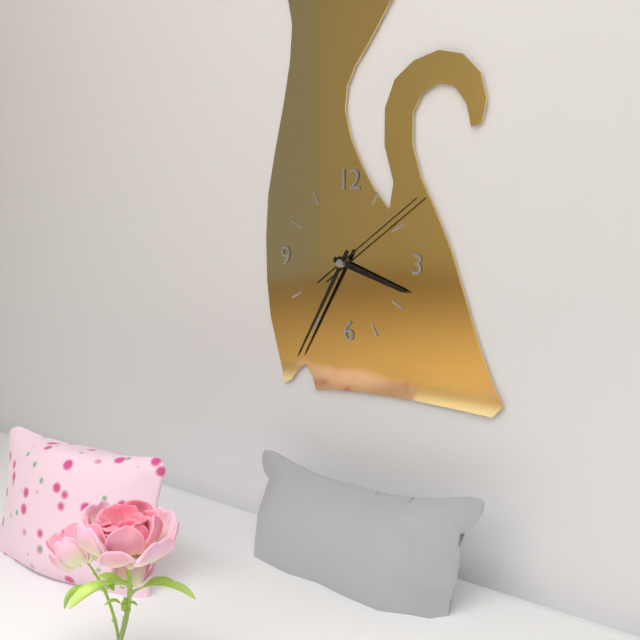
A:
**3:35:09**
